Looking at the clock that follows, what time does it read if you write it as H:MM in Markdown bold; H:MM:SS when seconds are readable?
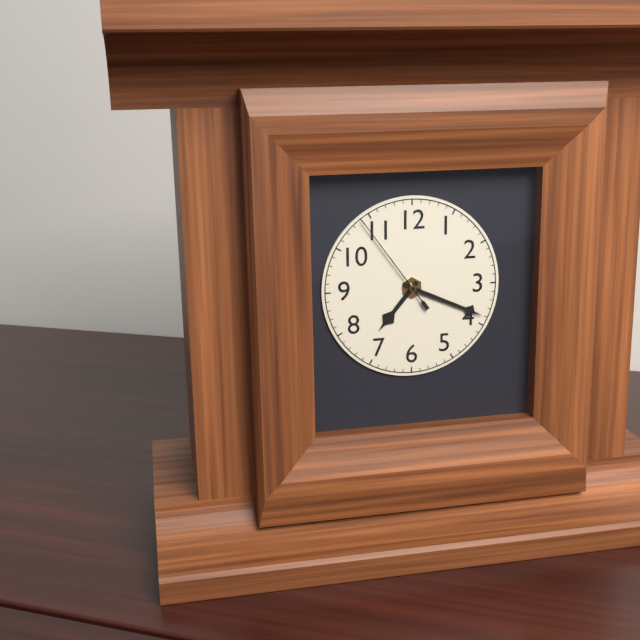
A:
**7:19:54**
